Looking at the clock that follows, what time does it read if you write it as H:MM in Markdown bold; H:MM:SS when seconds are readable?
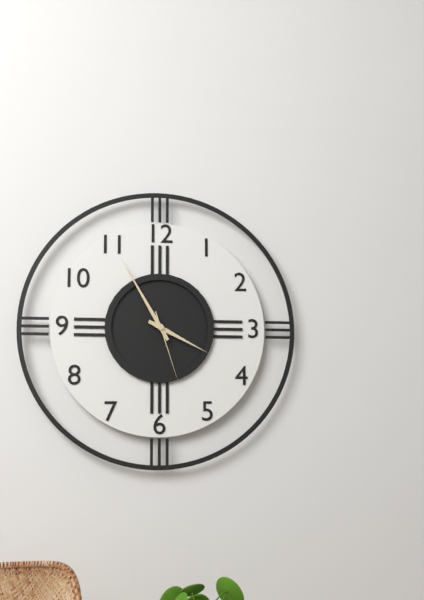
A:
**3:55:27**
